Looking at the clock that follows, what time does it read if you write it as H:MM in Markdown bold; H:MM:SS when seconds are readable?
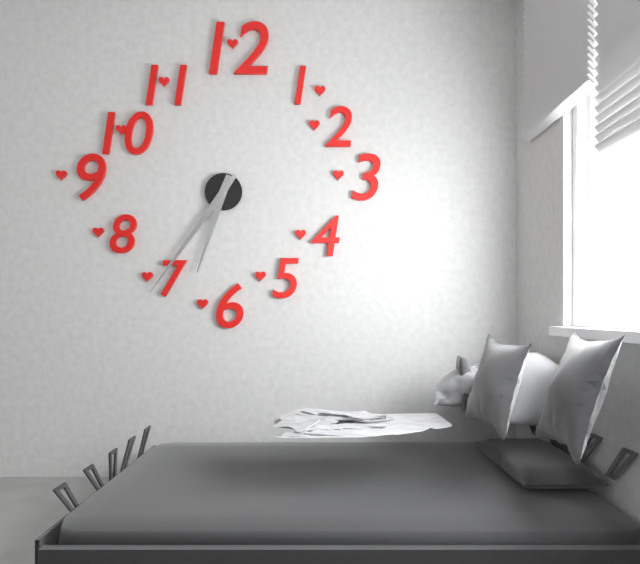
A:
**6:36**
